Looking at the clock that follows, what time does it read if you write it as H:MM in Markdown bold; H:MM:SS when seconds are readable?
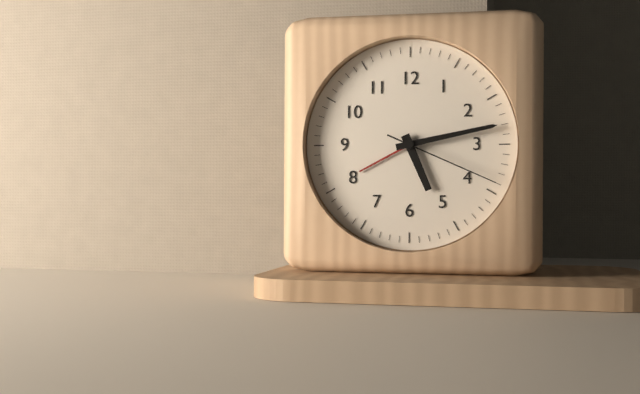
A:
**5:13:19**
